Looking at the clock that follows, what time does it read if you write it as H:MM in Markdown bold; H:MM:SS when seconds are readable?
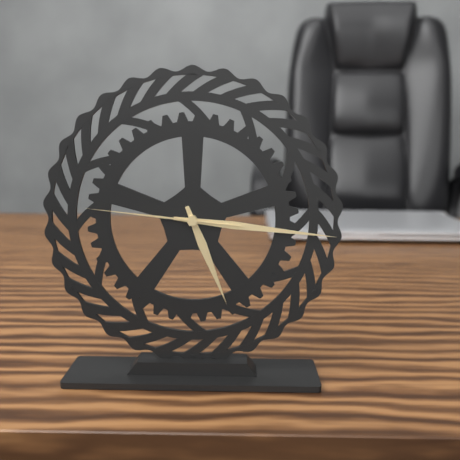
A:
**5:16:46**
